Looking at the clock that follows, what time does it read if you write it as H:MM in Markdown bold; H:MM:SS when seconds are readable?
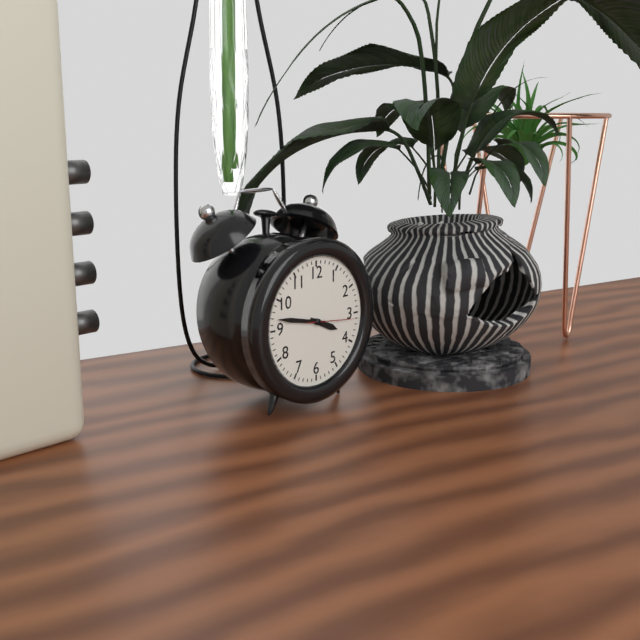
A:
**3:47:16**
